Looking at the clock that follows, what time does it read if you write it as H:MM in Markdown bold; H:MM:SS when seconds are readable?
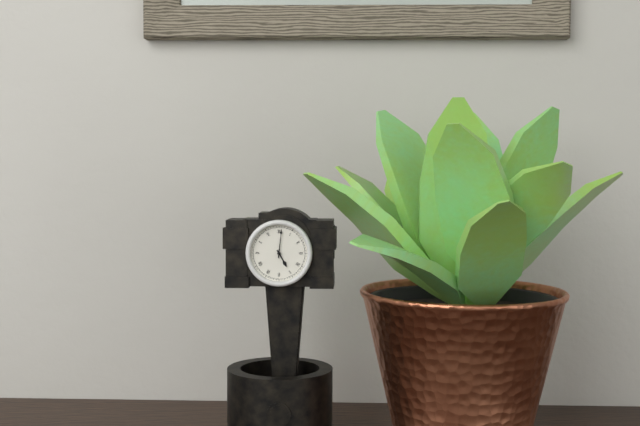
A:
**5:01**
